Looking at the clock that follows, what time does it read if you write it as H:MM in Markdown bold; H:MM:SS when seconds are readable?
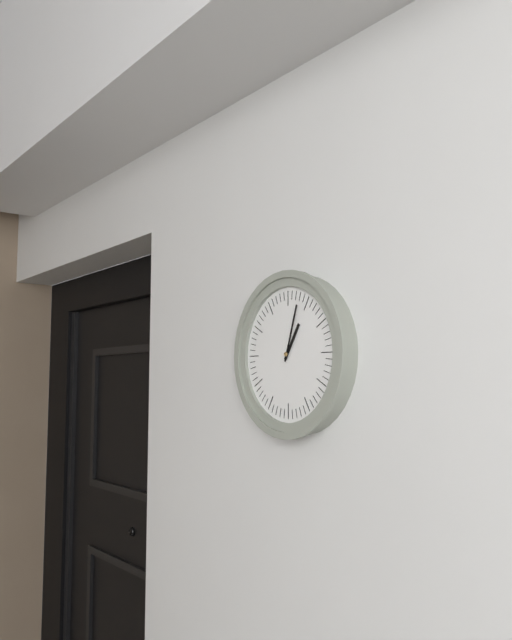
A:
**1:03**
